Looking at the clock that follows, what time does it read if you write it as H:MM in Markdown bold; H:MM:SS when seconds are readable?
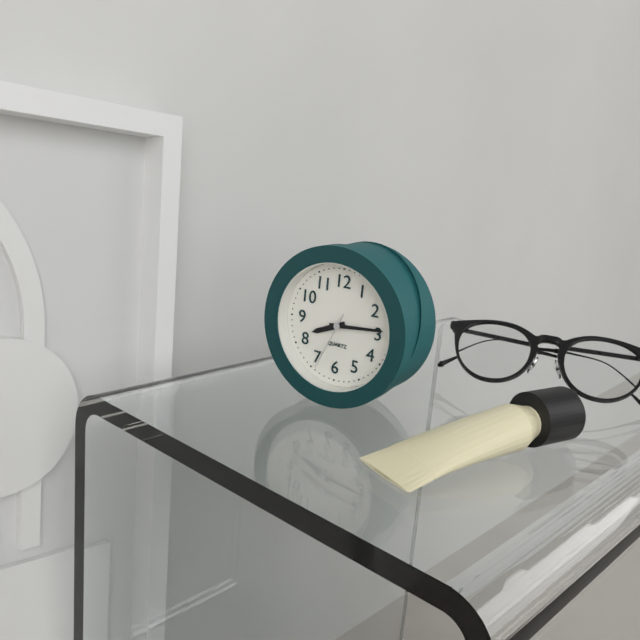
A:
**8:14:34**
